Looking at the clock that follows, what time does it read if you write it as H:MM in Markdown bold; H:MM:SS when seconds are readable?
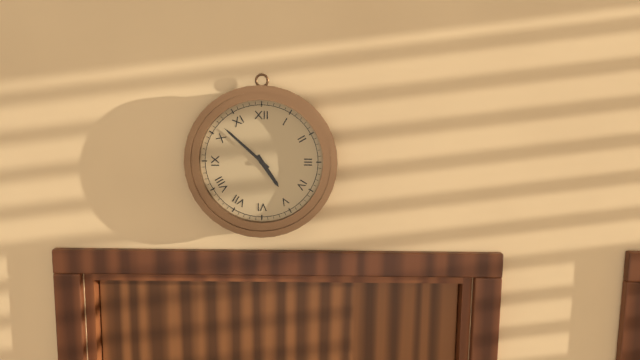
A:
**4:52**
